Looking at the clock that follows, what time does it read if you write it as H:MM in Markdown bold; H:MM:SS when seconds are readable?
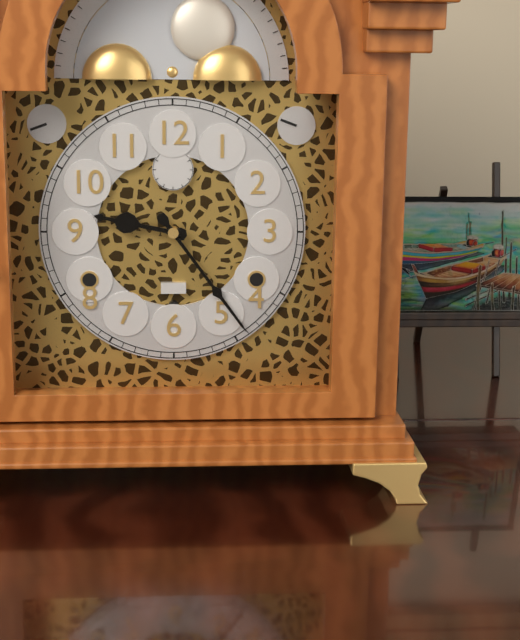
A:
**9:24**
